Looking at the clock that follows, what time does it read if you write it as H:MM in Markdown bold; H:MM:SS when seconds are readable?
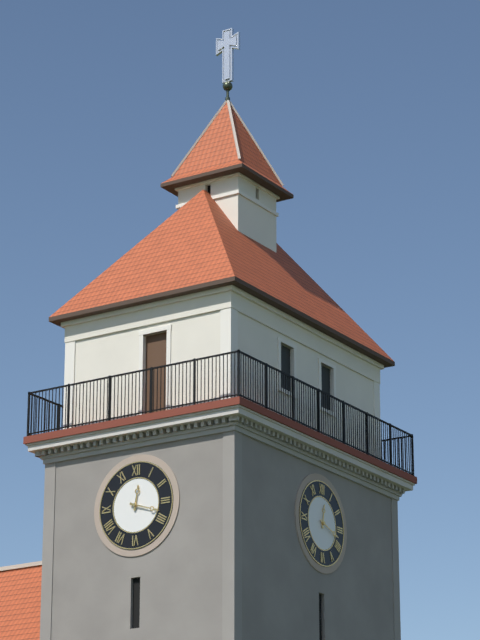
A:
**12:18**
